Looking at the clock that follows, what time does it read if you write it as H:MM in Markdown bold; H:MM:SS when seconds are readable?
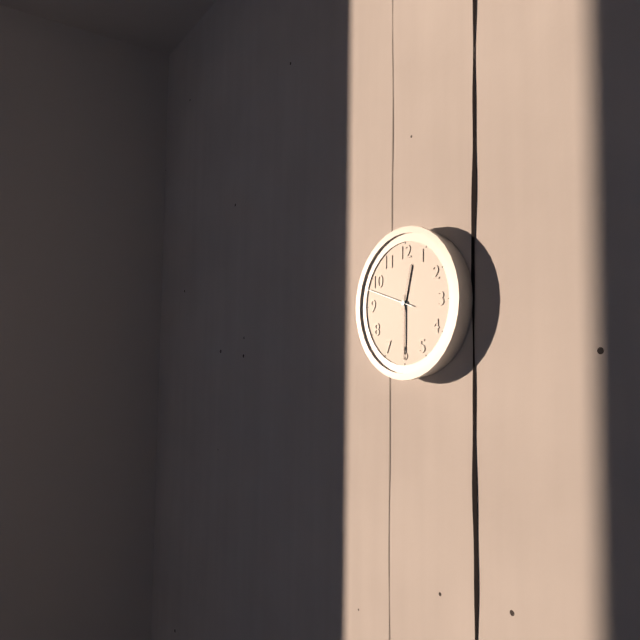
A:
**12:30**
